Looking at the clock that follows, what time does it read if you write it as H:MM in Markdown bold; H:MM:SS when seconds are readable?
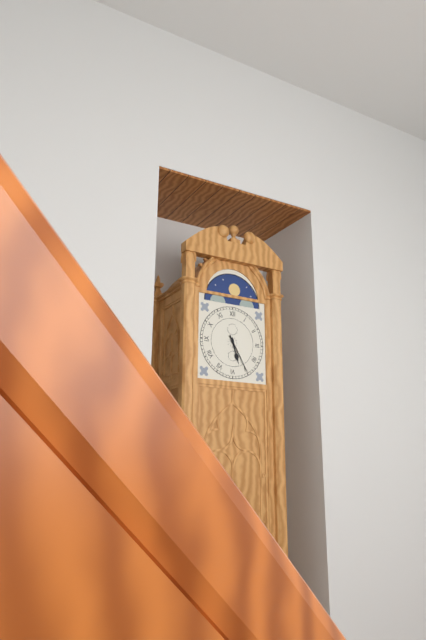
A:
**5:25**
